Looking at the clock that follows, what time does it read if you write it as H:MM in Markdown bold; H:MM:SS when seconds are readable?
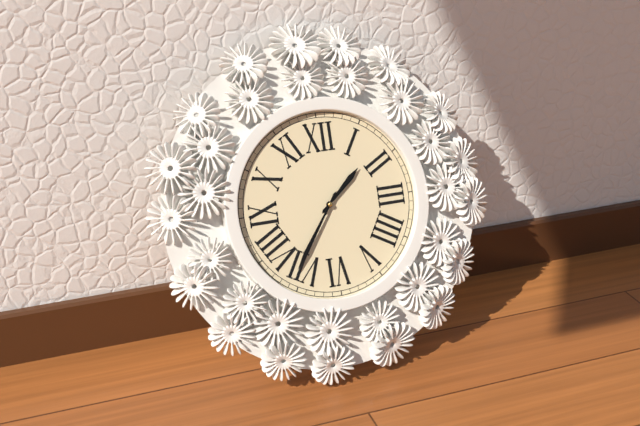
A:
**1:36**
